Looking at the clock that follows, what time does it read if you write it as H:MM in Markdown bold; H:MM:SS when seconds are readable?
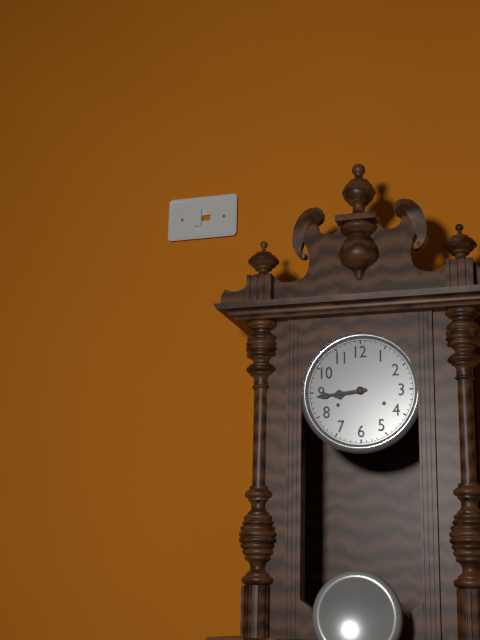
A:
**8:44**
